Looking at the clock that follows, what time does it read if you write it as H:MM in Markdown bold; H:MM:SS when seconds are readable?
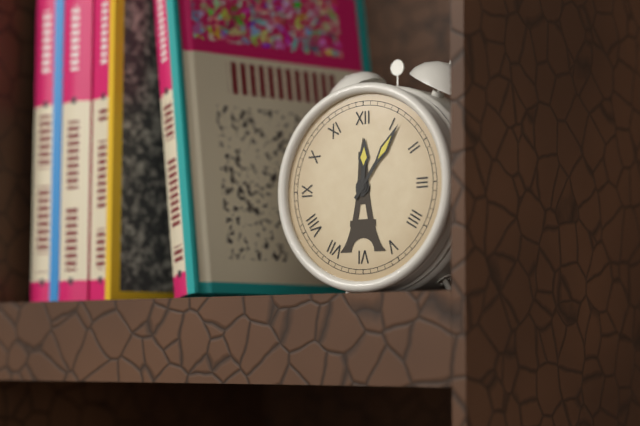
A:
**12:06**
